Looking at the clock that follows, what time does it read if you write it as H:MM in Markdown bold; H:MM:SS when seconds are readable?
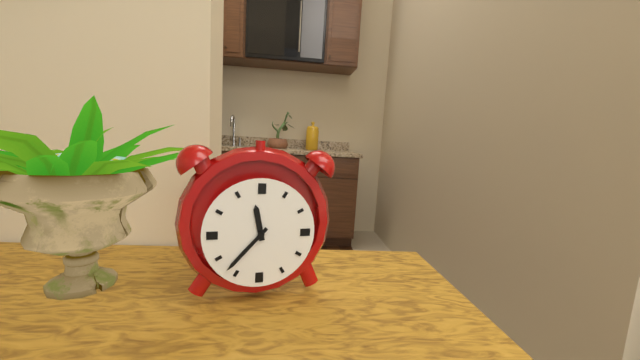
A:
**11:37**
